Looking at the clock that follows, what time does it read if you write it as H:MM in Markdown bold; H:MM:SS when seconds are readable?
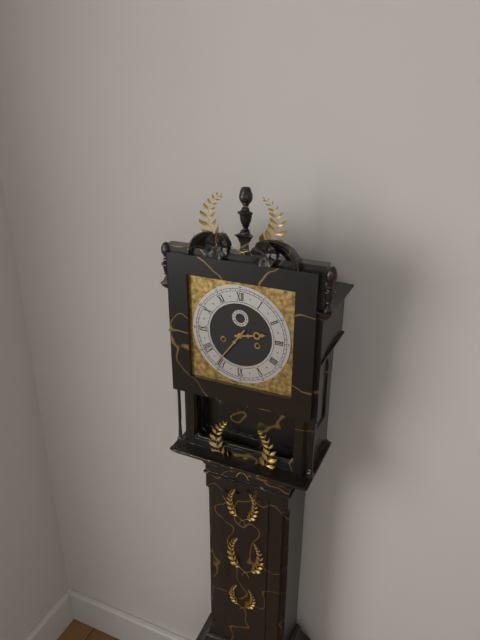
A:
**2:36**
